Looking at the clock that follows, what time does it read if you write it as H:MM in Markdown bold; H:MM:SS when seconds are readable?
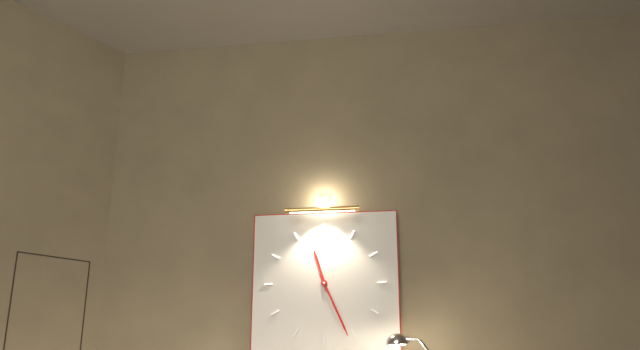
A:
**11:26**
